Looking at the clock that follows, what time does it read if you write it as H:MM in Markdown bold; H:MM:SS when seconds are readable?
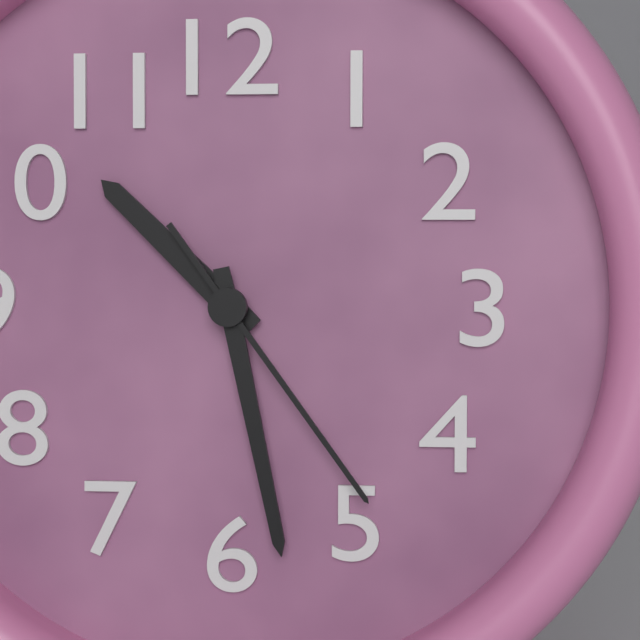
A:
**10:28:24**
